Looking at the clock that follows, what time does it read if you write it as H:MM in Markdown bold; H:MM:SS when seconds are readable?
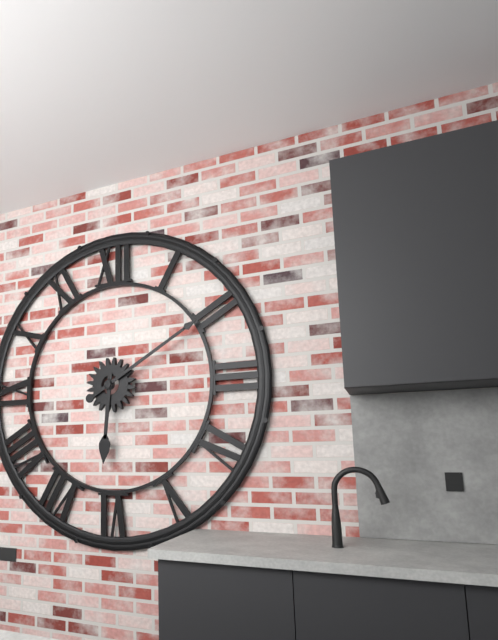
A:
**6:10**
